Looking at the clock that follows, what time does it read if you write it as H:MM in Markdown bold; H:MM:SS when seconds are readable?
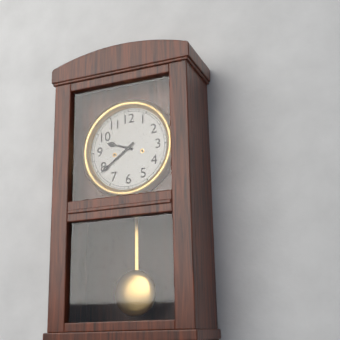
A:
**9:39**
